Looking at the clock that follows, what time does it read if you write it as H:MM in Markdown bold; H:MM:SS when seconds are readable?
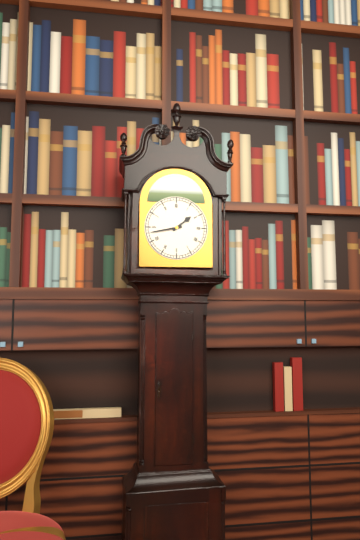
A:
**1:43**
